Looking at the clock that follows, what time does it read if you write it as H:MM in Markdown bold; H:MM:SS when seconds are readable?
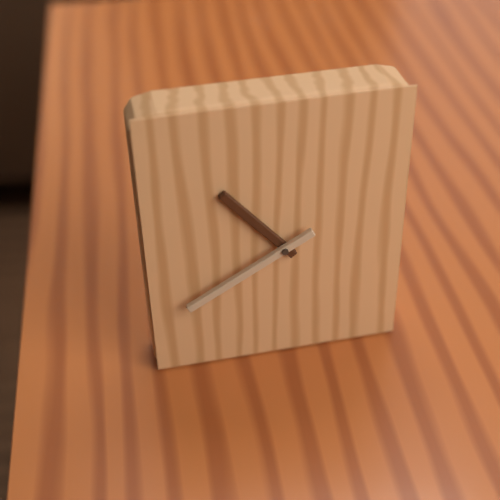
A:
**10:40**
